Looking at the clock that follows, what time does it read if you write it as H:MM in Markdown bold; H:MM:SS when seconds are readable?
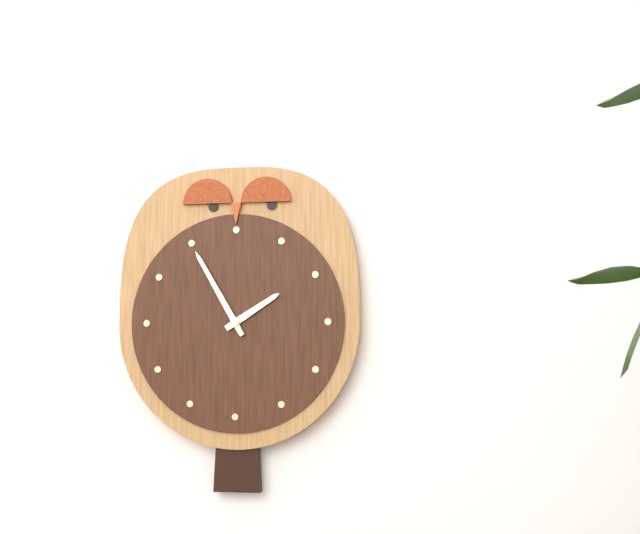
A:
**1:55**
